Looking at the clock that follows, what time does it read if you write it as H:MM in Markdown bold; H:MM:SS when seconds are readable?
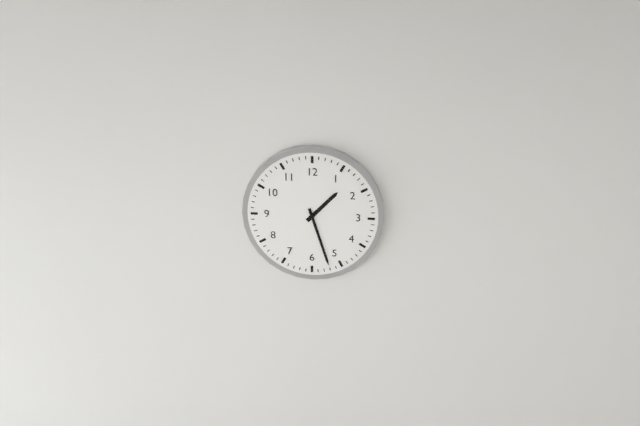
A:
**1:27**
